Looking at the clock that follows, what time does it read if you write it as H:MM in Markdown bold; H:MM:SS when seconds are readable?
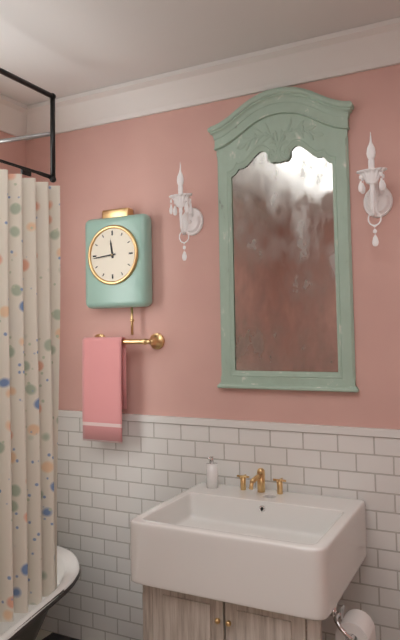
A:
**11:44**
